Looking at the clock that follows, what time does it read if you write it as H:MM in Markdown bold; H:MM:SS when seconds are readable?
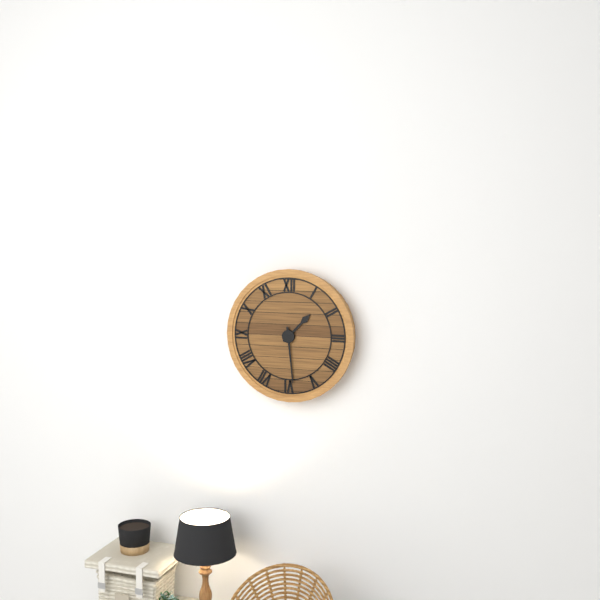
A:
**1:29**
